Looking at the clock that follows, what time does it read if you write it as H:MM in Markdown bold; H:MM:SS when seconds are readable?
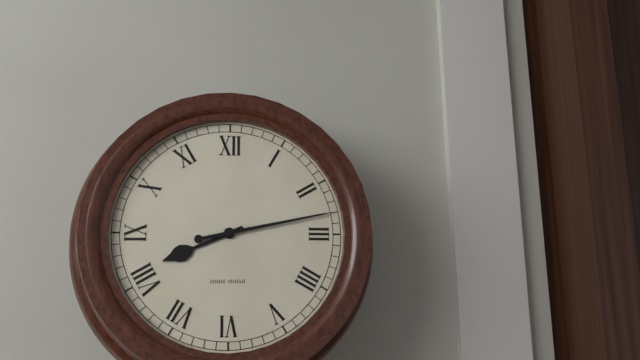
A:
**8:13**
